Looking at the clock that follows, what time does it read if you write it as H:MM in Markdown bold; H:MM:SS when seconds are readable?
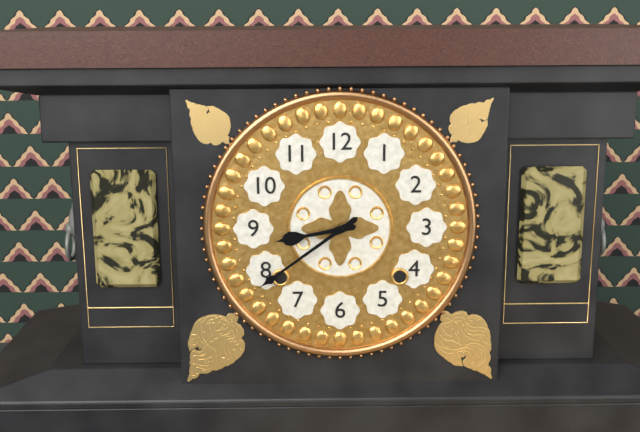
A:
**8:39**
